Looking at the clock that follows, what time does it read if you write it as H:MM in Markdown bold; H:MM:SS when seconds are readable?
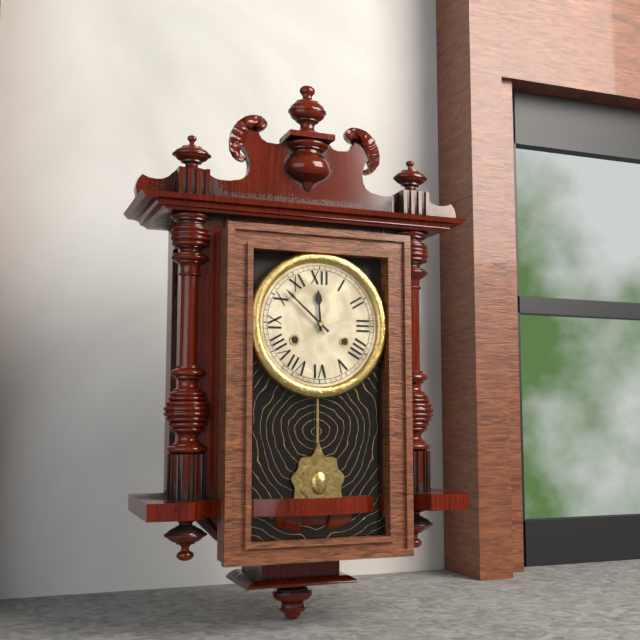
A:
**11:52**
